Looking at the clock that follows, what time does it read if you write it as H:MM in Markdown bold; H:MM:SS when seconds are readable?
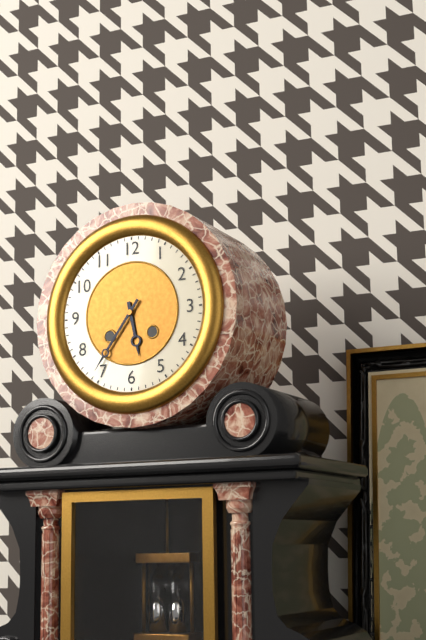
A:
**5:36**
